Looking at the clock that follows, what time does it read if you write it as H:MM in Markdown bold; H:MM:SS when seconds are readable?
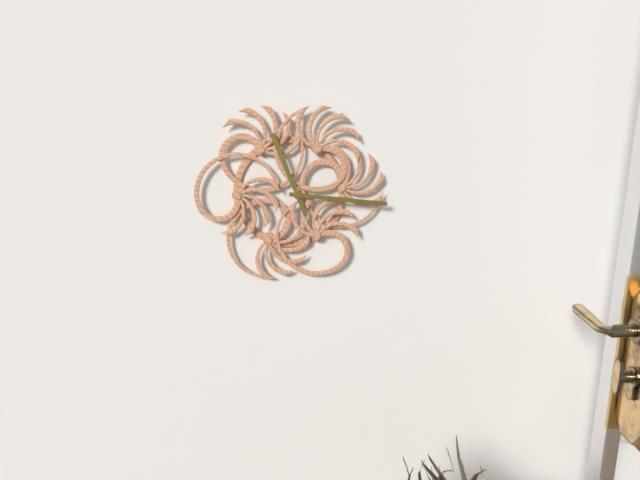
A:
**11:16**
